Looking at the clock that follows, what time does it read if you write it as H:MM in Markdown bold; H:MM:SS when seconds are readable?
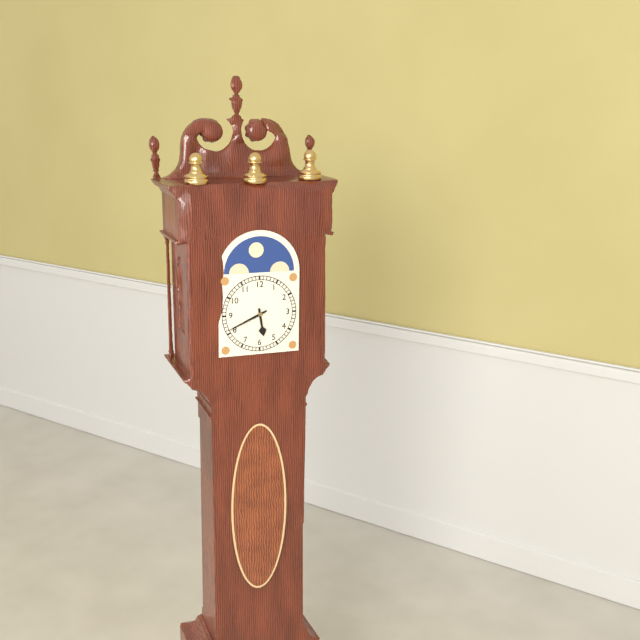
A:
**5:41**
